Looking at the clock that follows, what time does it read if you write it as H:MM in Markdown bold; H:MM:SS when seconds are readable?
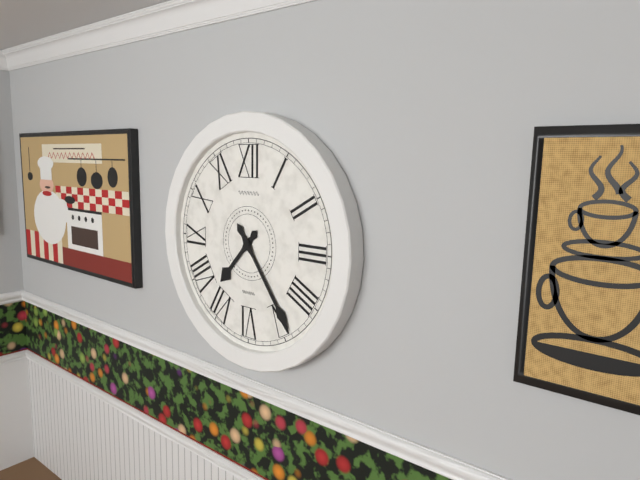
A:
**7:24**
